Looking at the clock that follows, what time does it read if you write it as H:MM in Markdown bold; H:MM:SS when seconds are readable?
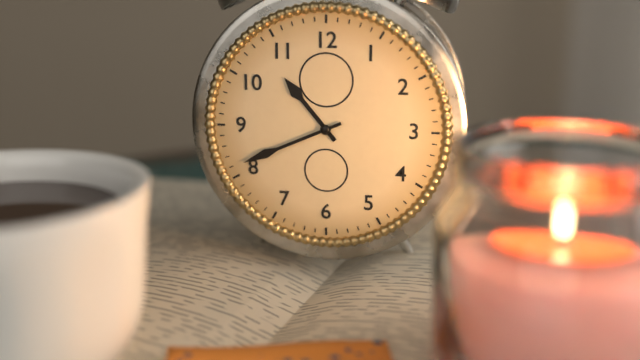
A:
**10:41**
